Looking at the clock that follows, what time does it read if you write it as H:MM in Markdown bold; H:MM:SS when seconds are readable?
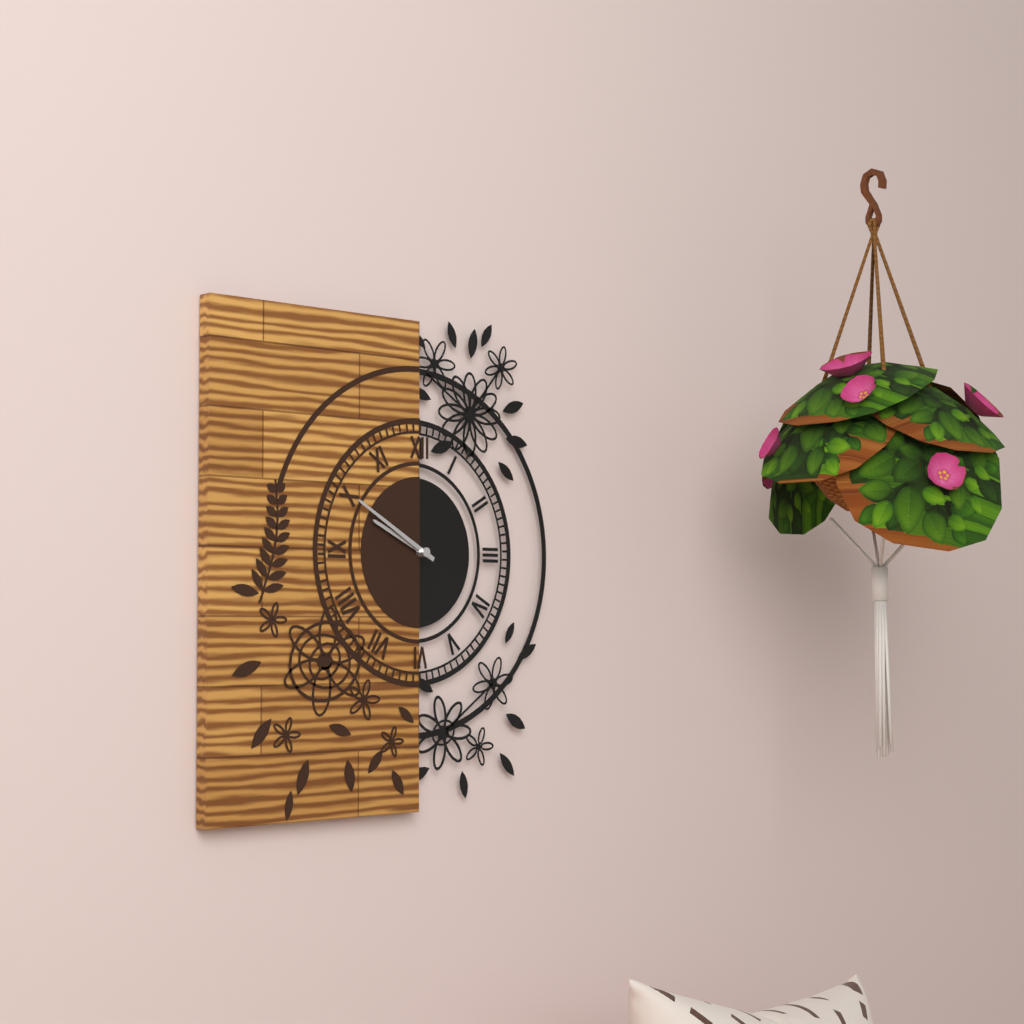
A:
**9:50**
